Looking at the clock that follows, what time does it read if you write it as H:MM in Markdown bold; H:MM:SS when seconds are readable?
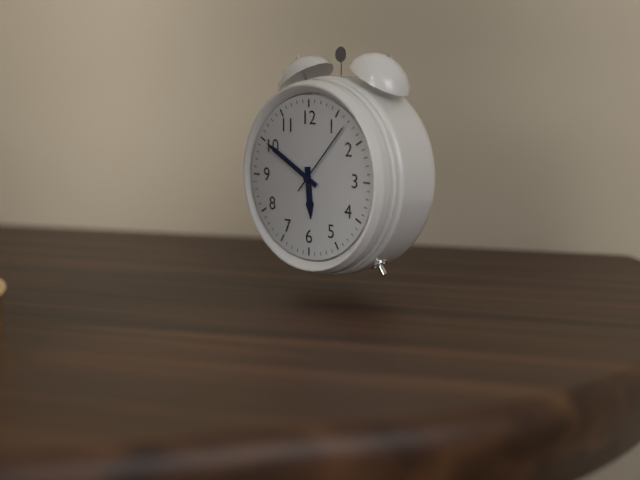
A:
**5:50:07**
